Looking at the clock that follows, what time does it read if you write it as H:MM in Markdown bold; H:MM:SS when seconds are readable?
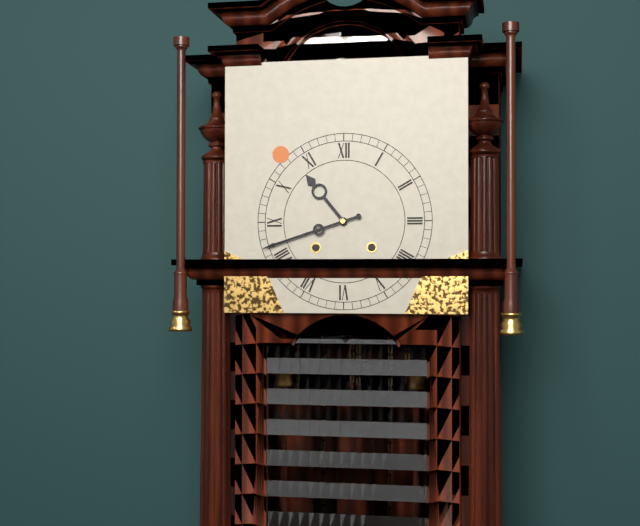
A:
**10:42**
